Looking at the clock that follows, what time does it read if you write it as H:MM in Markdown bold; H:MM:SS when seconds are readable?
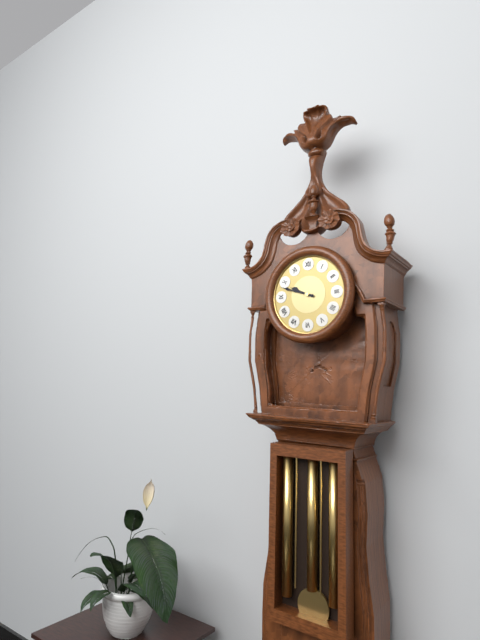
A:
**9:48**
